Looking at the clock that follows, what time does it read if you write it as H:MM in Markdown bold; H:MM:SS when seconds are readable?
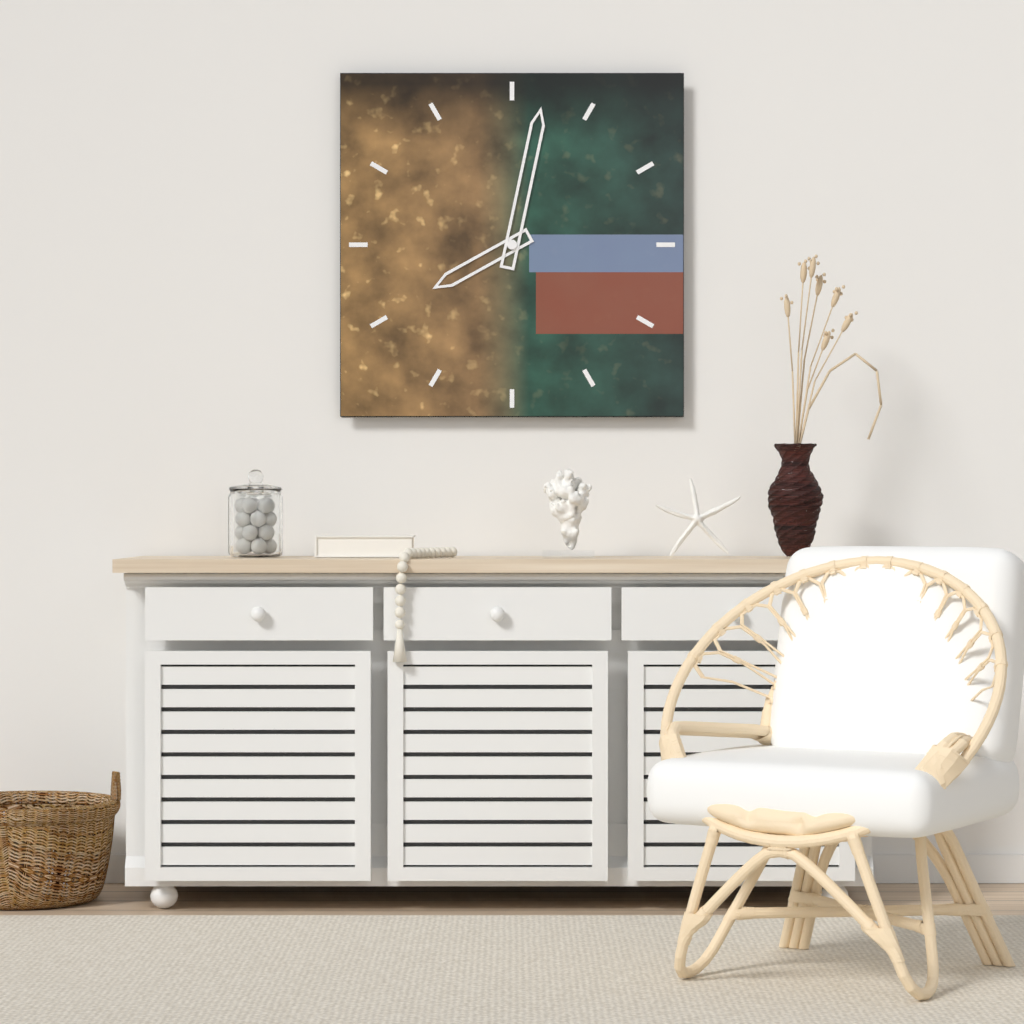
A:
**8:02**
